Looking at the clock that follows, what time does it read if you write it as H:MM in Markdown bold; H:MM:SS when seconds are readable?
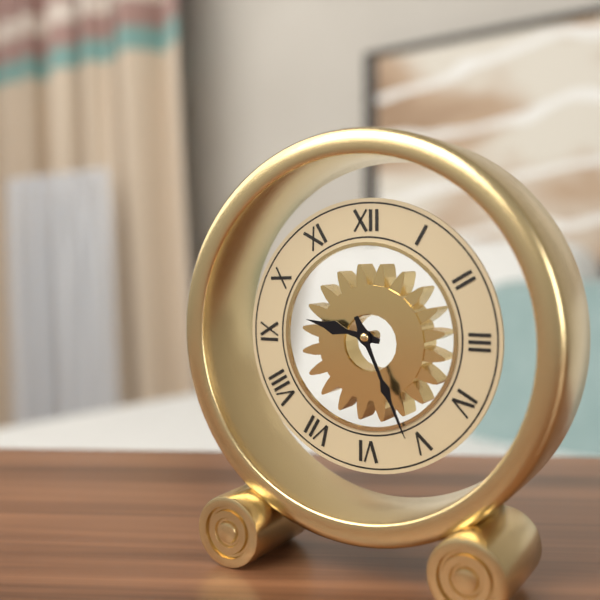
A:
**9:26**
